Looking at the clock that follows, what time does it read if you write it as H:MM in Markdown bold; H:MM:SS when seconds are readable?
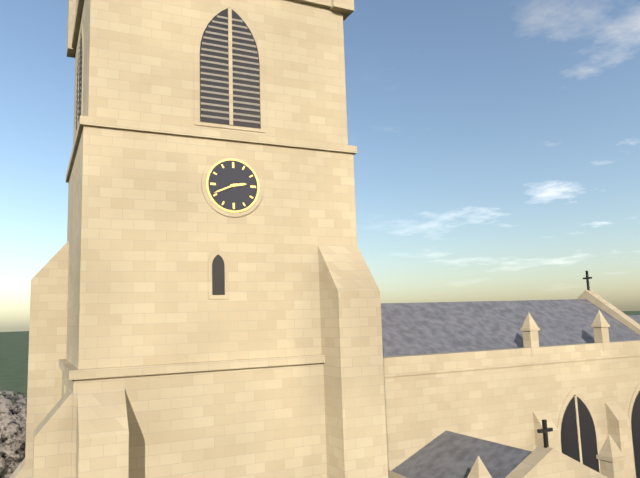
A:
**2:41**
